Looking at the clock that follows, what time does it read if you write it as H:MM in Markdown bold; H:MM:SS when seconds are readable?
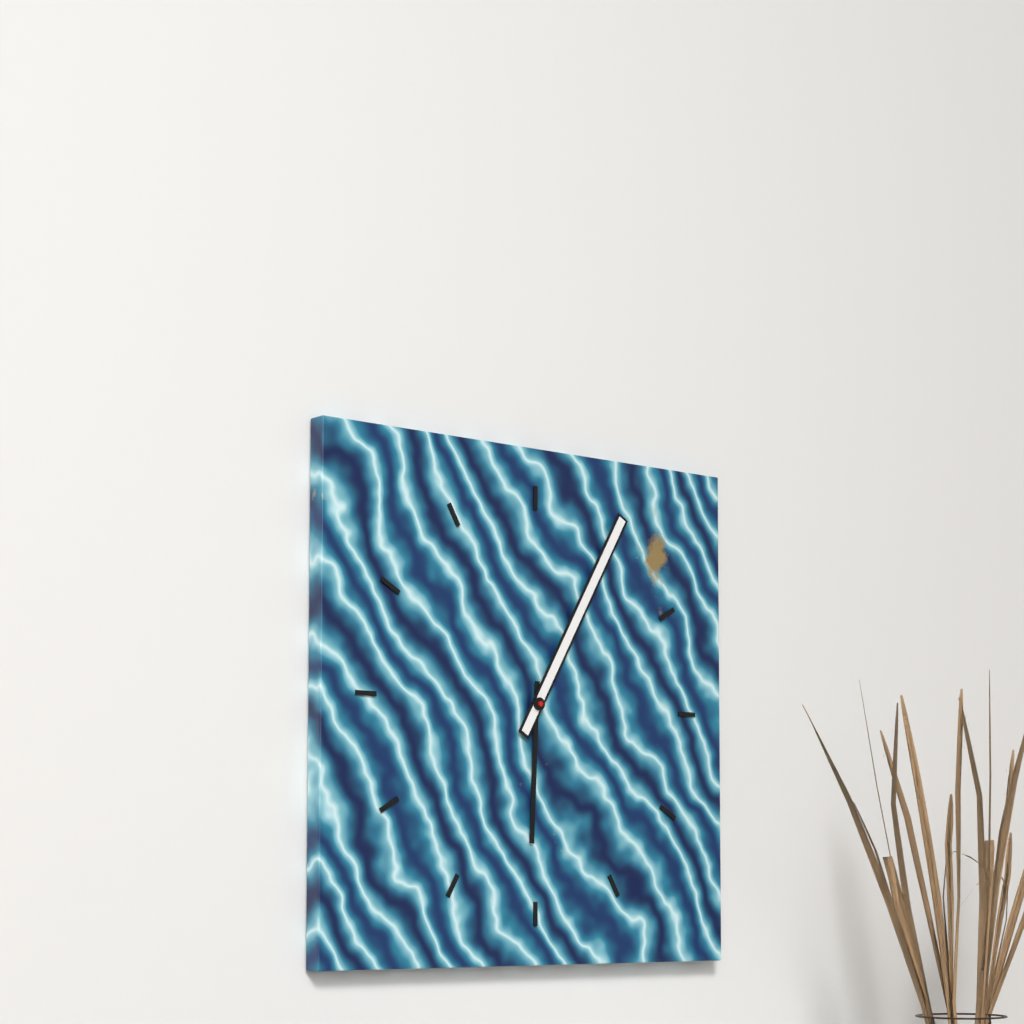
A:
**6:05**
